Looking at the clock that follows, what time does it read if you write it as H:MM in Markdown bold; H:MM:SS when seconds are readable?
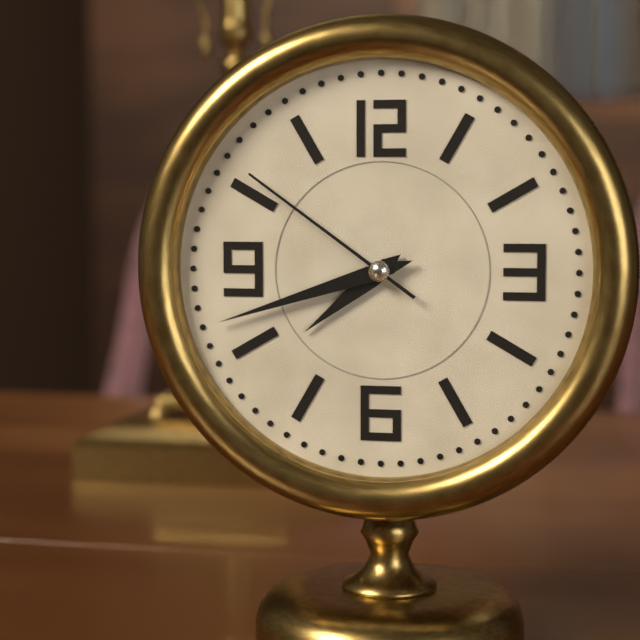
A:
**7:42:51**
